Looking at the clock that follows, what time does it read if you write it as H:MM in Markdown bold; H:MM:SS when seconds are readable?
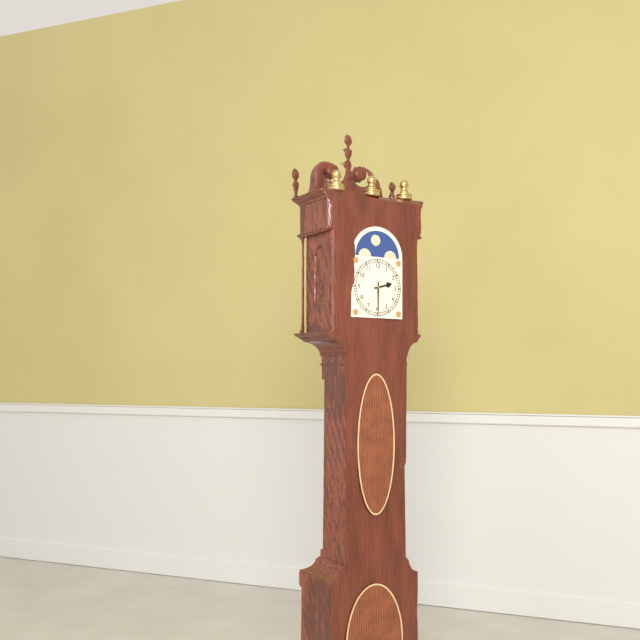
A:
**2:30**
